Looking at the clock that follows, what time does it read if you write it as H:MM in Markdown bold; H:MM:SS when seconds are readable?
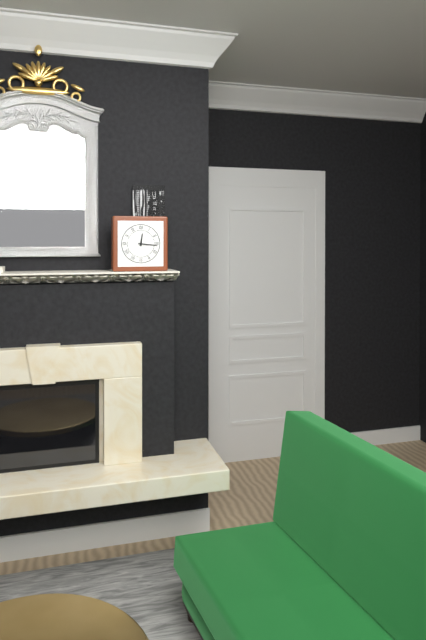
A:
**12:16**
